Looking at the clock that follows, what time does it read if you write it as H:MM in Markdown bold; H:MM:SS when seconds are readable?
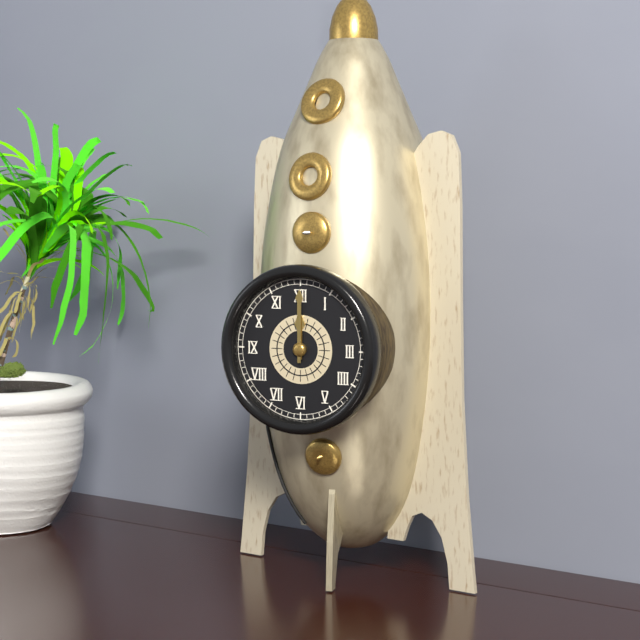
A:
**12:00**
